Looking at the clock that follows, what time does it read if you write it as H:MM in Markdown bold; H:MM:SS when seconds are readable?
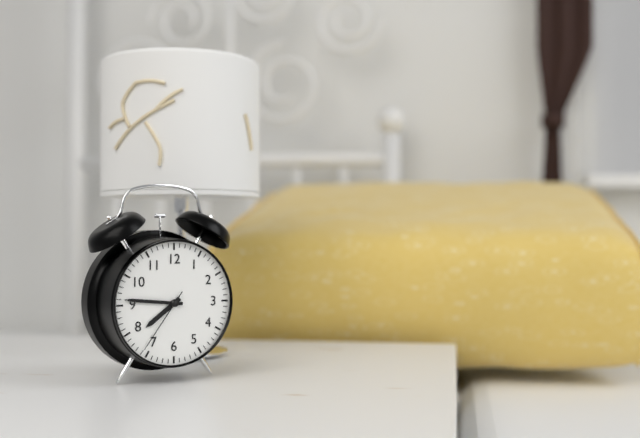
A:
**7:46:36**
